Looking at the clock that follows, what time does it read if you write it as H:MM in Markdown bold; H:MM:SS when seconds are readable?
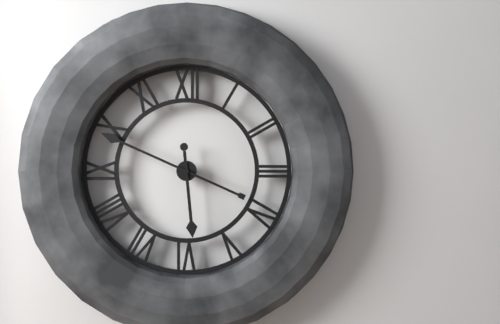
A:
**5:49**
